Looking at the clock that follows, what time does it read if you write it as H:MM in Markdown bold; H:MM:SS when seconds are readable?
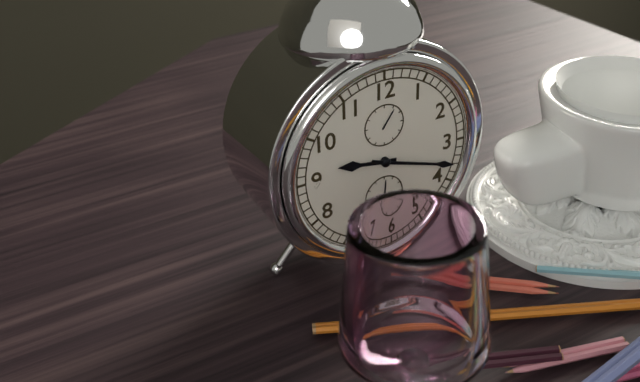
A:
**9:18**
